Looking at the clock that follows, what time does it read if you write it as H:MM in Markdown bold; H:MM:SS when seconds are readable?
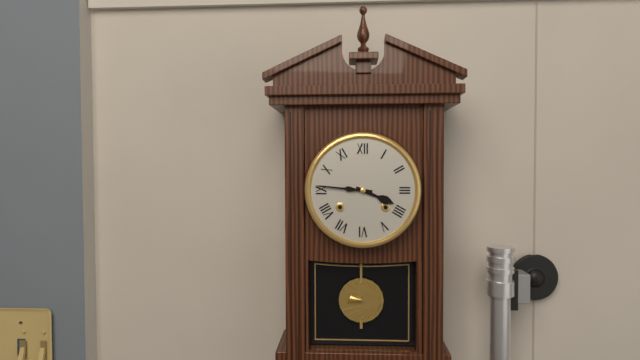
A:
**3:46**
